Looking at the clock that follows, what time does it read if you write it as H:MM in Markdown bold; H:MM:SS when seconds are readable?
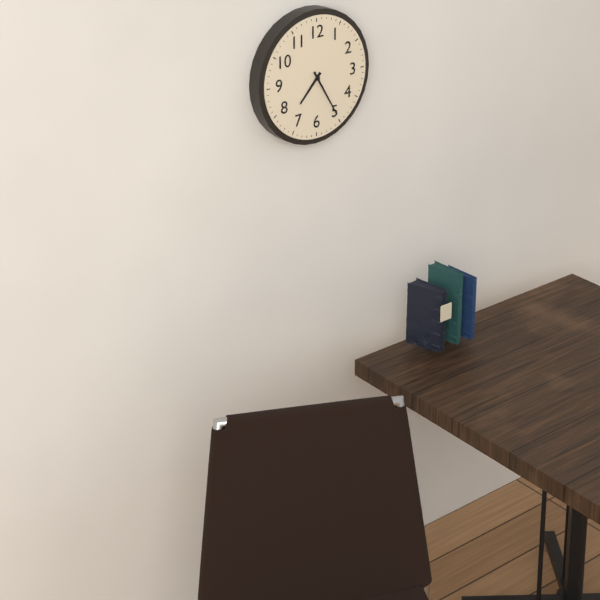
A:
**7:25**
